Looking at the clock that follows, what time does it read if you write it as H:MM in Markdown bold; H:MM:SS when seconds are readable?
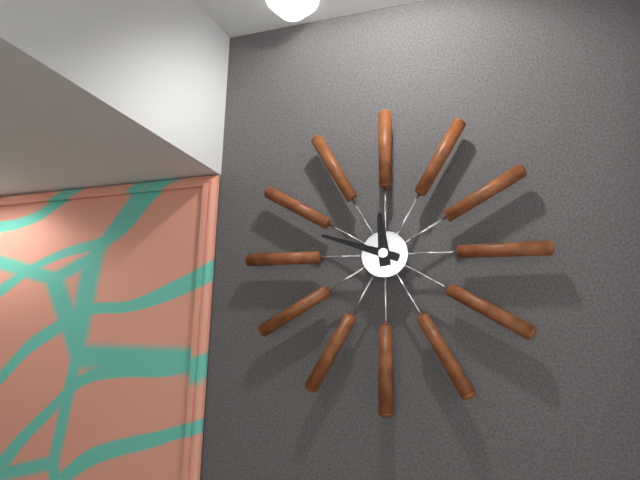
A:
**11:48**
